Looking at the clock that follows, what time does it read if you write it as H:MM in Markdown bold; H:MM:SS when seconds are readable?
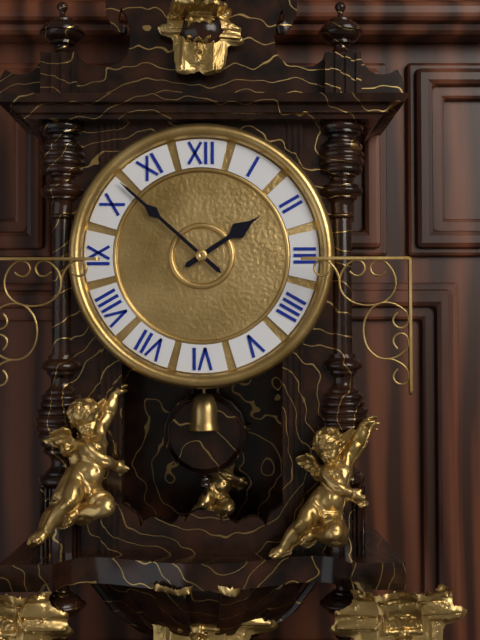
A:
**1:52**
